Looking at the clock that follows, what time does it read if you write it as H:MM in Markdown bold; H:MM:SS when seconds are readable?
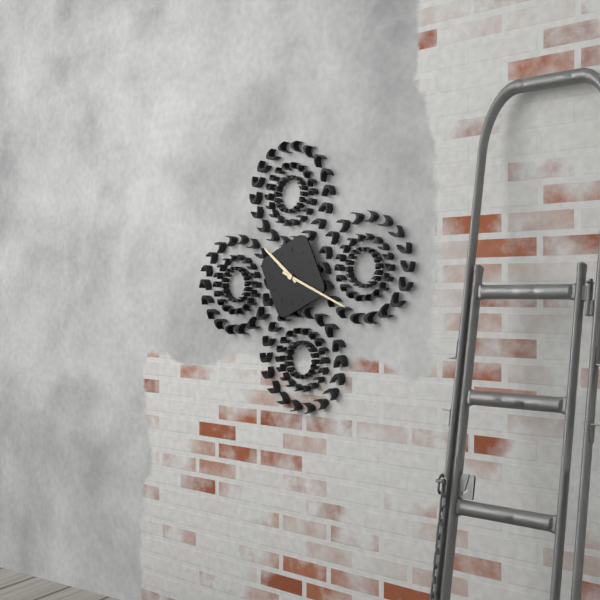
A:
**10:19**
